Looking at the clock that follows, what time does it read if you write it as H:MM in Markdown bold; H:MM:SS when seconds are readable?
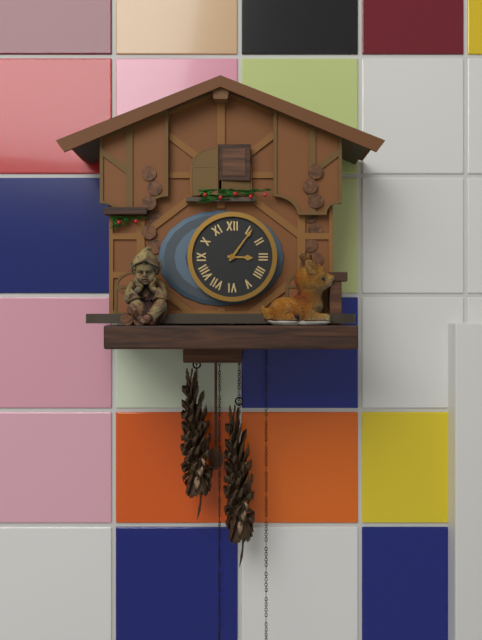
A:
**3:06**
